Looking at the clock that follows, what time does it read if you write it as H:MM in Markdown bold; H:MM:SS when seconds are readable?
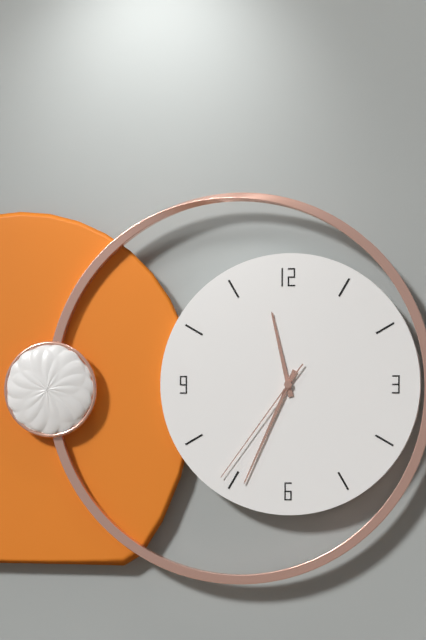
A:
**11:34:36**
